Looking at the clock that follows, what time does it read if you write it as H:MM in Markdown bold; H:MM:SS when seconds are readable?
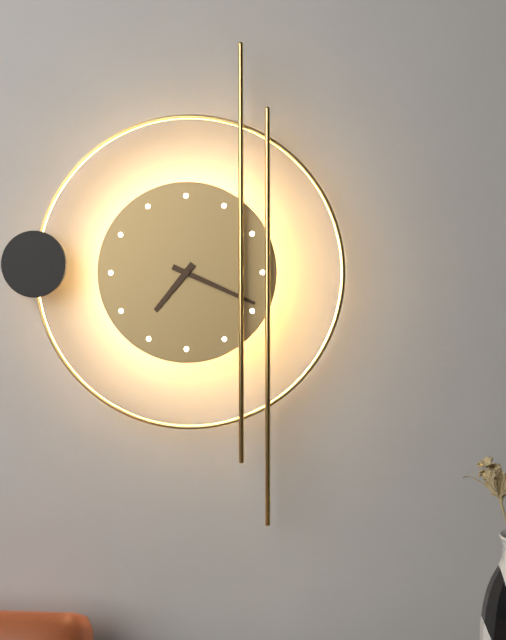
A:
**7:19**
